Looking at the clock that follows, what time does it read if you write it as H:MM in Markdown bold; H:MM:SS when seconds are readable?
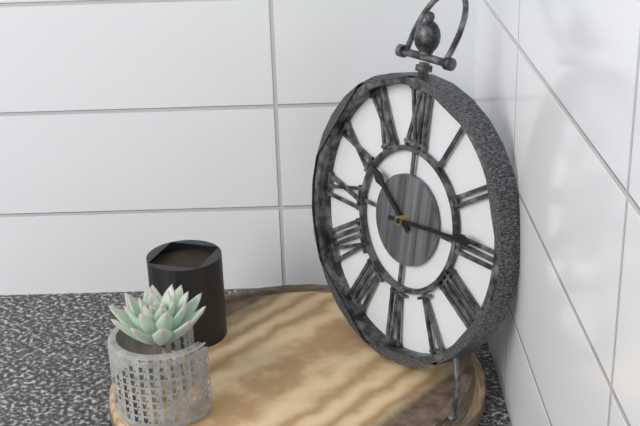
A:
**10:14**
